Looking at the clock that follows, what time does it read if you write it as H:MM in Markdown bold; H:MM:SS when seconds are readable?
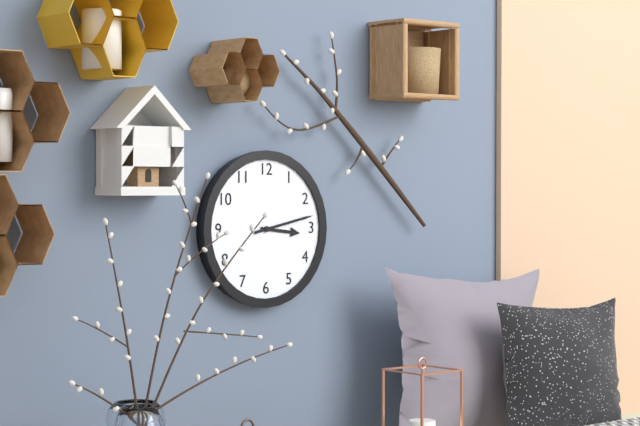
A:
**3:13**
